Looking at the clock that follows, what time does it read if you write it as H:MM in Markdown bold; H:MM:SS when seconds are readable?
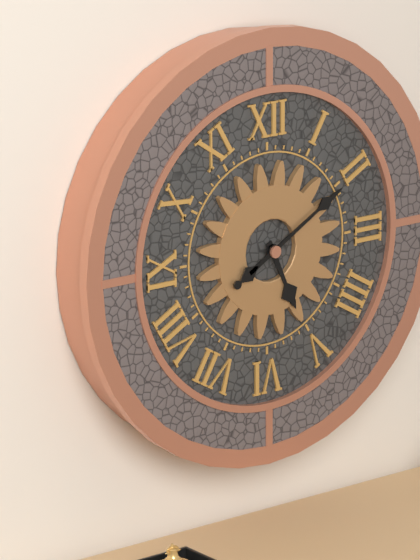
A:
**5:10**
